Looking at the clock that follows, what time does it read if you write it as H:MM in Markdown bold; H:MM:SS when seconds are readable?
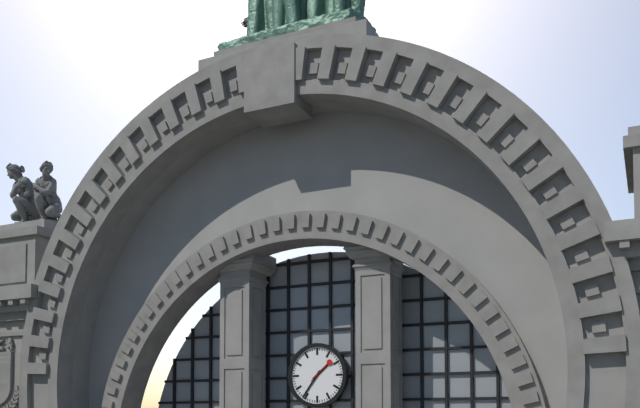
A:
**1:36**
